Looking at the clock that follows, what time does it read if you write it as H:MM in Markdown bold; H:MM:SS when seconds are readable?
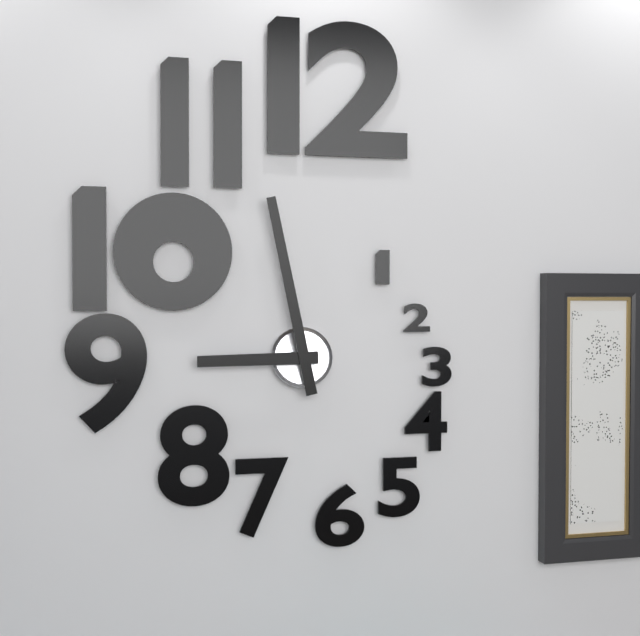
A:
**8:58**
